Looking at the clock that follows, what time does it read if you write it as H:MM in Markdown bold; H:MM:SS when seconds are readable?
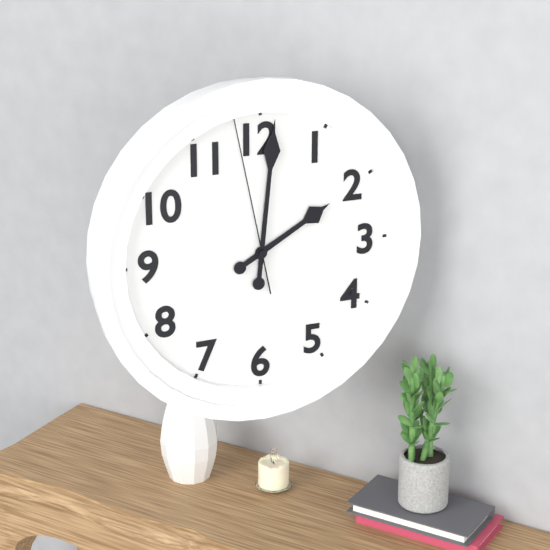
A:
**2:01:58**
